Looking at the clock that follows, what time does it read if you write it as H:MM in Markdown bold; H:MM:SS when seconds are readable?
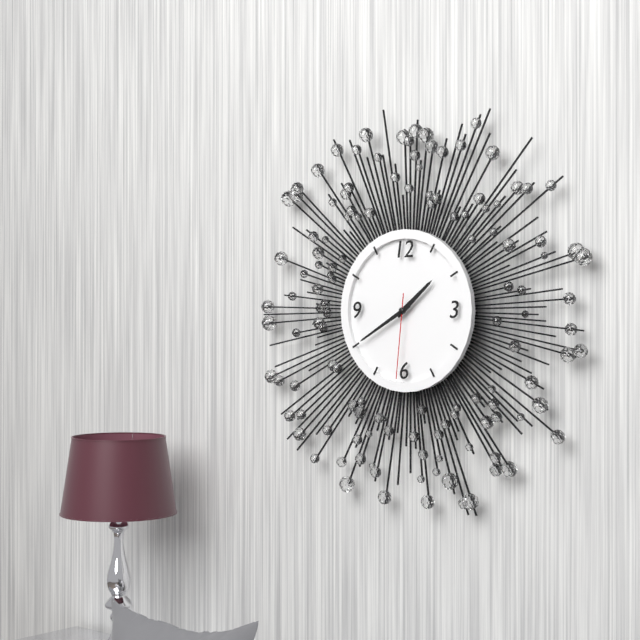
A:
**1:40:31**
